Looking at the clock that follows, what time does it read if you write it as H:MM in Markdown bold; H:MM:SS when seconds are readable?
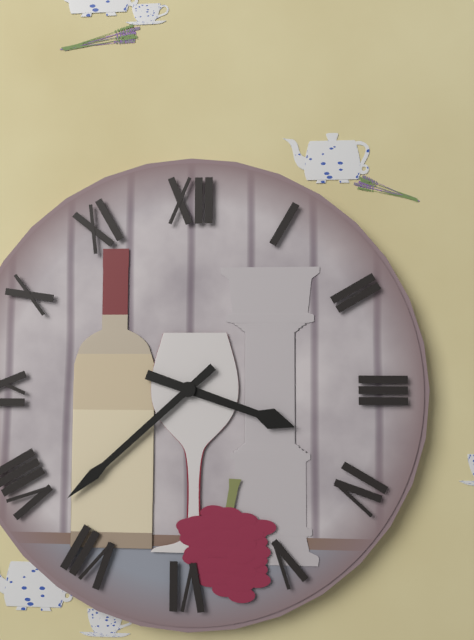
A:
**3:38**
